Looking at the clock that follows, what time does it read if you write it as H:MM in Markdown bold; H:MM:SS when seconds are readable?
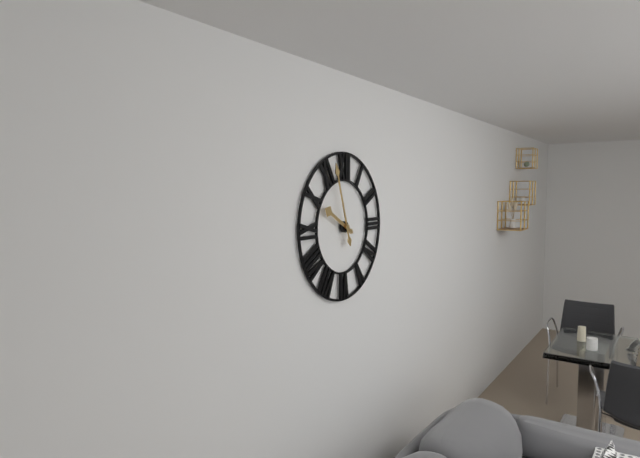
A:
**9:57**
